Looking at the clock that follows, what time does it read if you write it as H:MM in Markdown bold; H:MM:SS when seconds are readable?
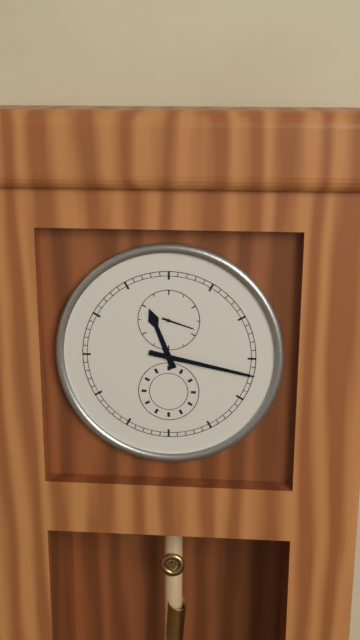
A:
**11:17**
